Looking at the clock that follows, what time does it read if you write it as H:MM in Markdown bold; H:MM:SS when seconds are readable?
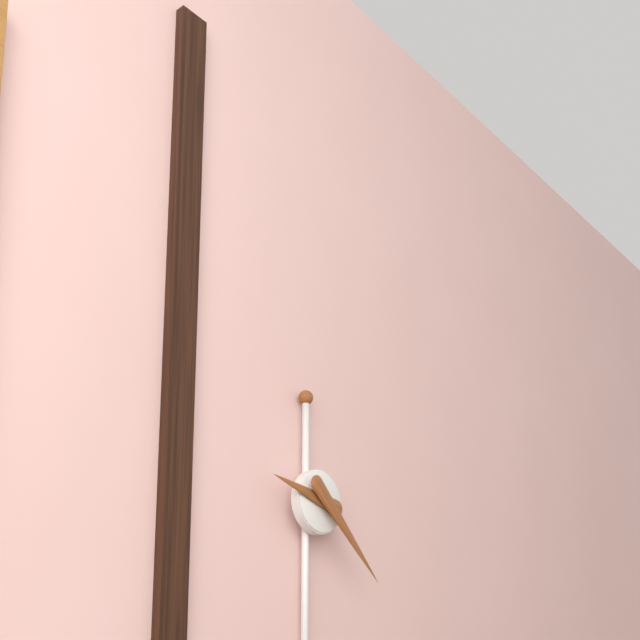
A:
**9:22**
